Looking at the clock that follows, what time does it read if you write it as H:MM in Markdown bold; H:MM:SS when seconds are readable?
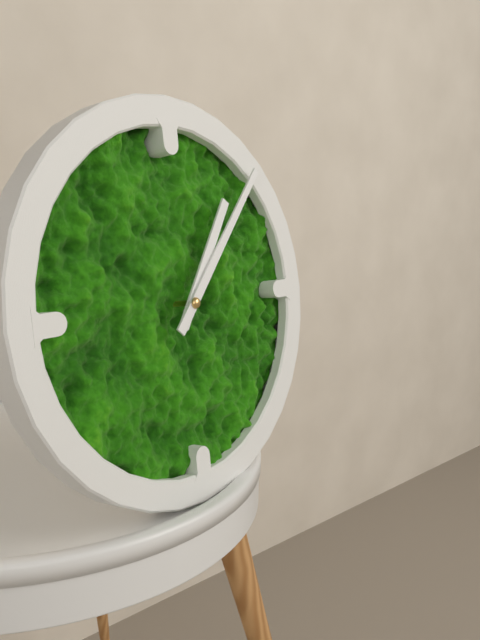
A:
**1:07**
